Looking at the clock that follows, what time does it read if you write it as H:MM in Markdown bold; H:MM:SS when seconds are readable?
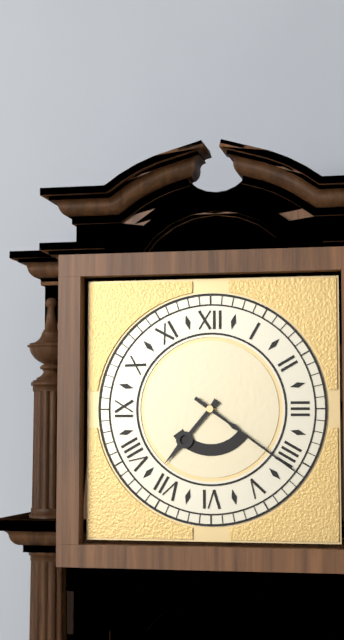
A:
**7:21**
